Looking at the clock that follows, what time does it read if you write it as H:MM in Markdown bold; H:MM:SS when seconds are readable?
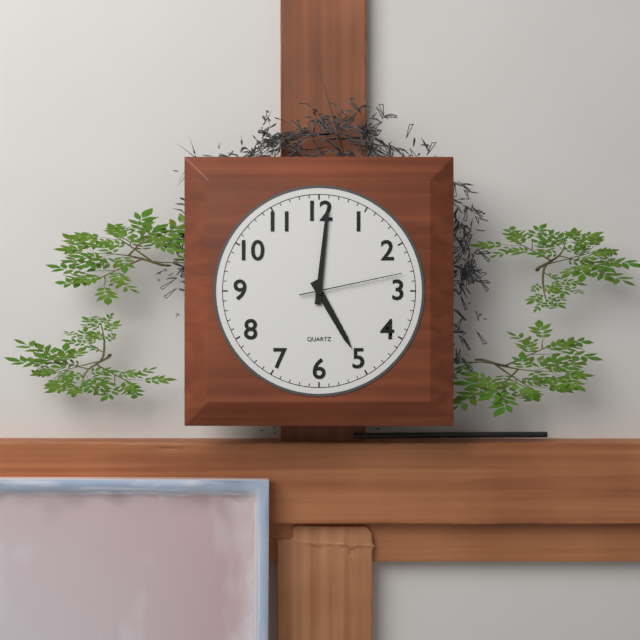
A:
**5:01:13**
